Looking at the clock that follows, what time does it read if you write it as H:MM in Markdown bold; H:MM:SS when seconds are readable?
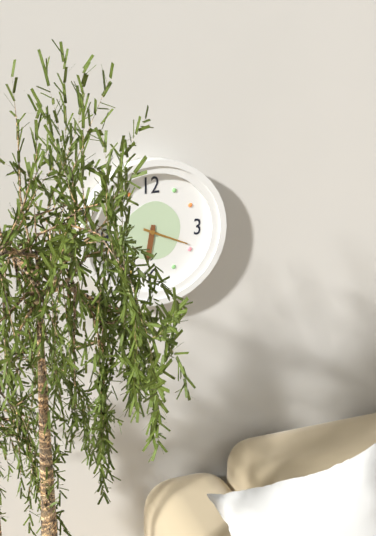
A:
**6:19**
